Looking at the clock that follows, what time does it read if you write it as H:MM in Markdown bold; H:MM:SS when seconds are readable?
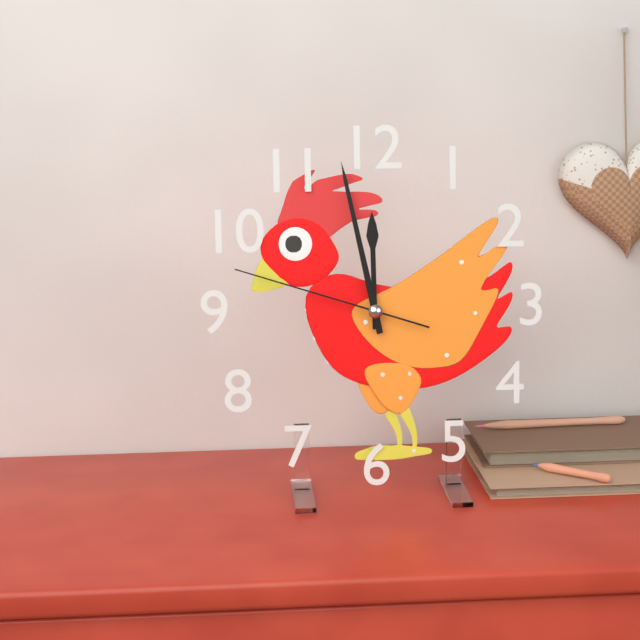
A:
**11:58:48**
